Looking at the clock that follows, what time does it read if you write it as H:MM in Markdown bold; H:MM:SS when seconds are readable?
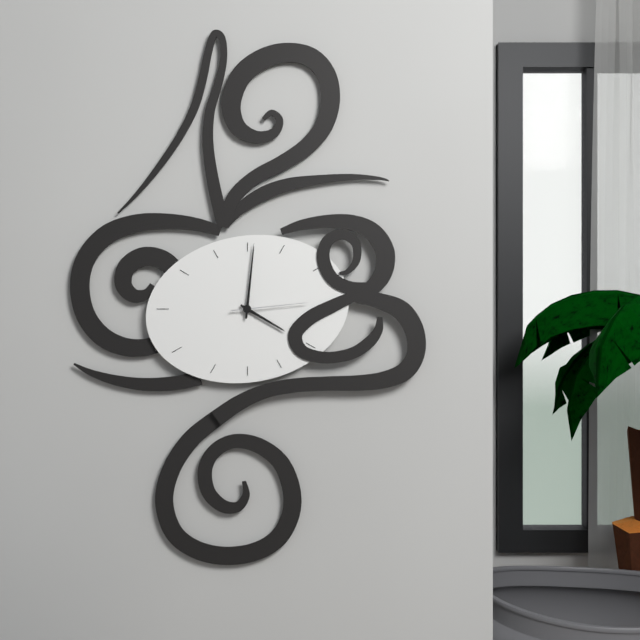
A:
**4:01:14**
